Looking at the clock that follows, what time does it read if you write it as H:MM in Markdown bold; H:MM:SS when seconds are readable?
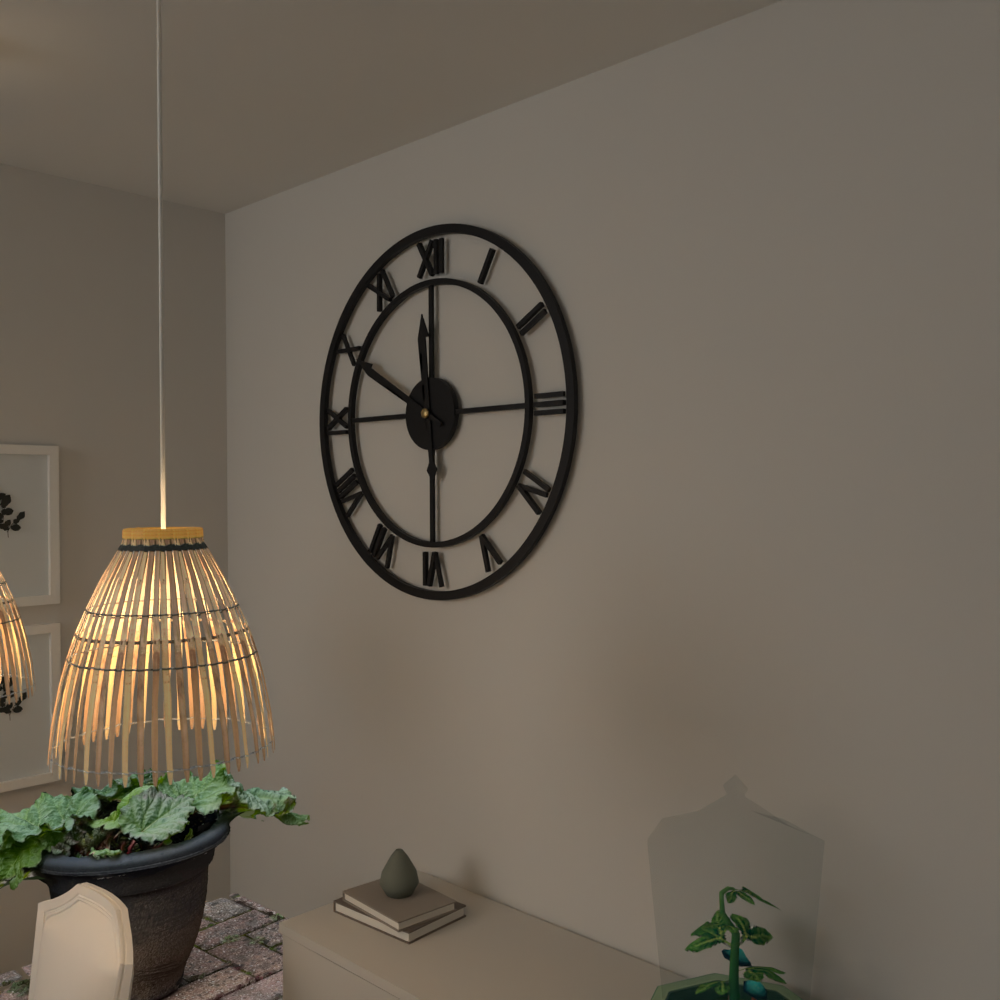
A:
**11:50**
